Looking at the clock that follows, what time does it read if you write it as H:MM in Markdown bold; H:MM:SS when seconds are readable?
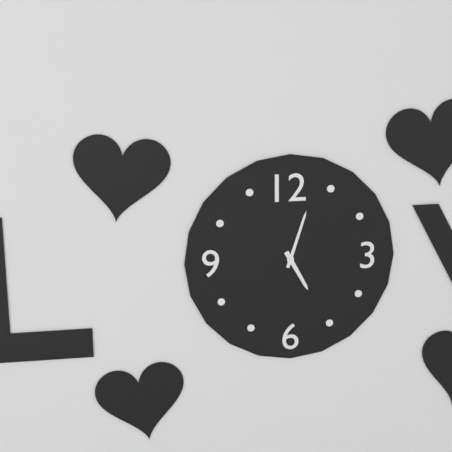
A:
**5:03**
